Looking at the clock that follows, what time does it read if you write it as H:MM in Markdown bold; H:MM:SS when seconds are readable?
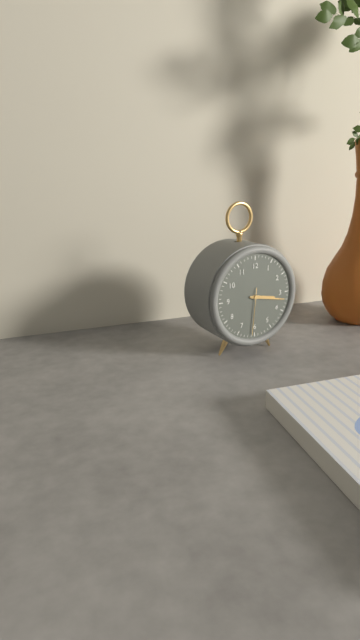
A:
**3:17**
